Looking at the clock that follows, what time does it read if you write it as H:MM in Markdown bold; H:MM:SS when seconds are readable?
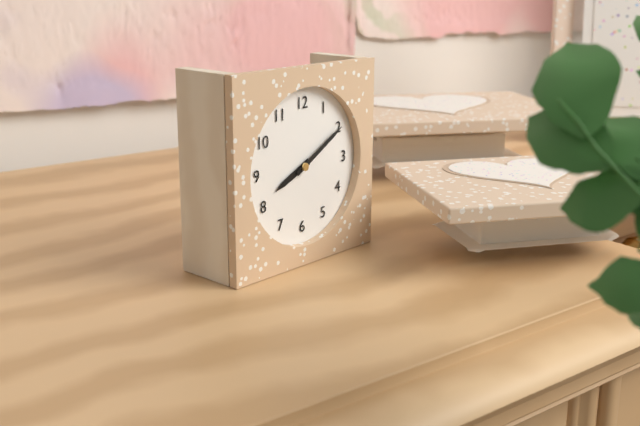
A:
**8:10**
